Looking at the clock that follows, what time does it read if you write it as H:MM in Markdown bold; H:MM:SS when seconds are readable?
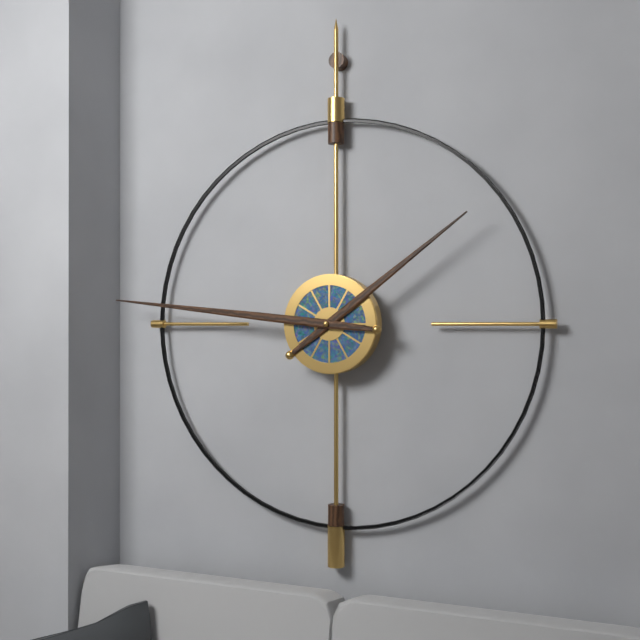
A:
**1:46**
